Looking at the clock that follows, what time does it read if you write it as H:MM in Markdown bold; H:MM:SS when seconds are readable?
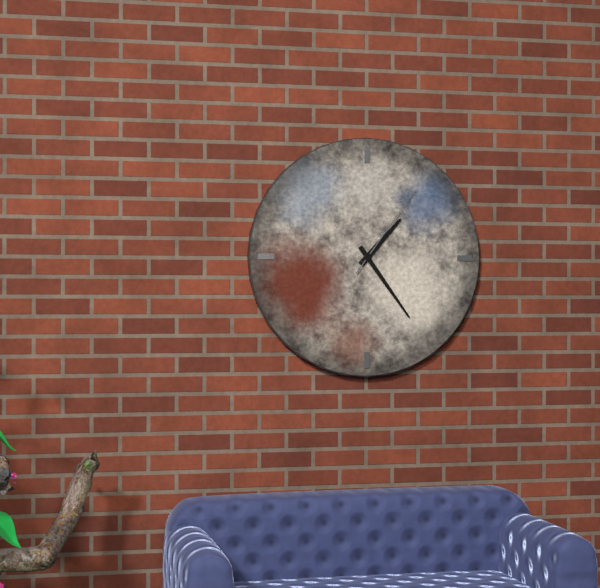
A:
**1:24:06**
